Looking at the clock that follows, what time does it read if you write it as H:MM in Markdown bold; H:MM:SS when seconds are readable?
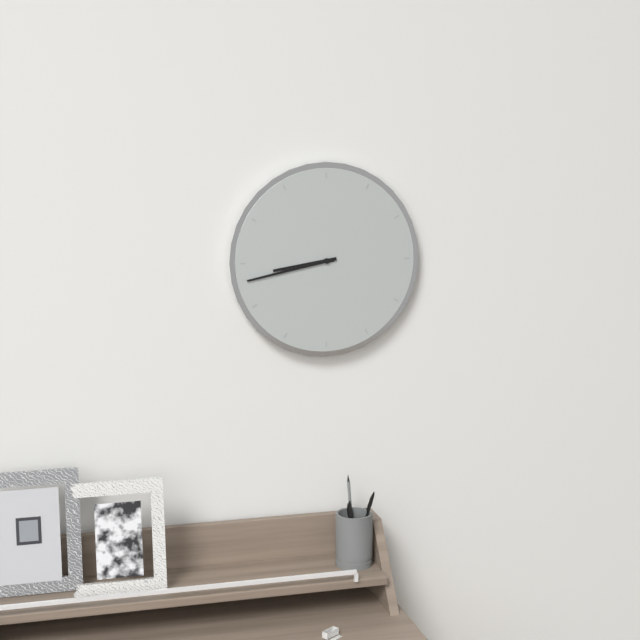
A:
**8:43**
